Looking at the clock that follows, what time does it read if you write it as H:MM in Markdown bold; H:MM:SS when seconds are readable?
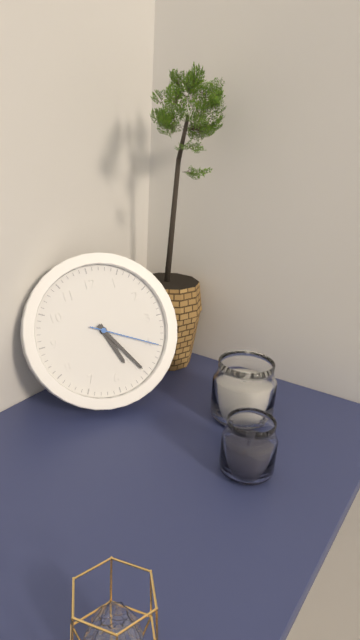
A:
**5:25:20**
